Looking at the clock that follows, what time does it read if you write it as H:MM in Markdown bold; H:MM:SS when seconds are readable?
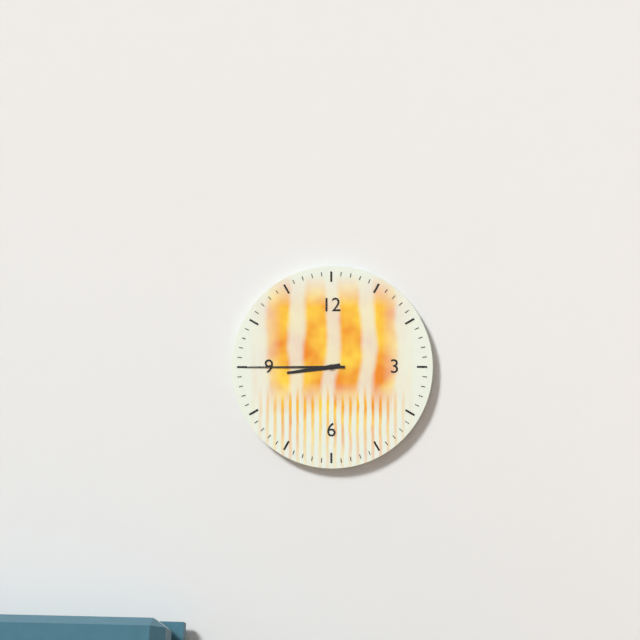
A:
**8:45**
